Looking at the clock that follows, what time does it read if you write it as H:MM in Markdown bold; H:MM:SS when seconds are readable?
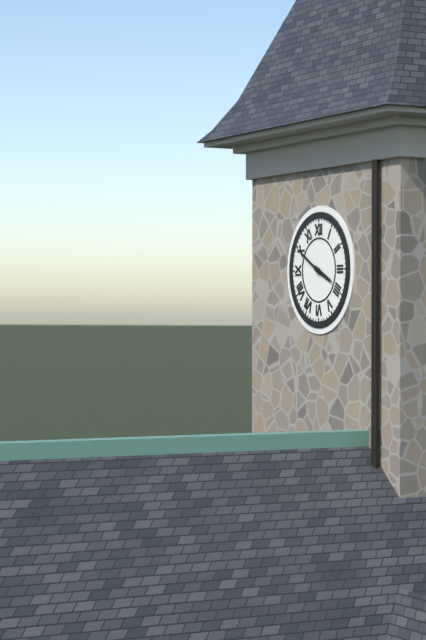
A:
**3:50**
